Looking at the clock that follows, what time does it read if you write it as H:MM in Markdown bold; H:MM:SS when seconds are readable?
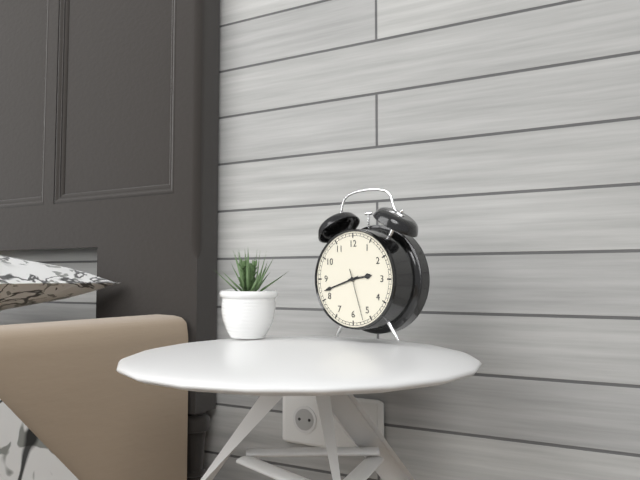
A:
**2:42:27**
